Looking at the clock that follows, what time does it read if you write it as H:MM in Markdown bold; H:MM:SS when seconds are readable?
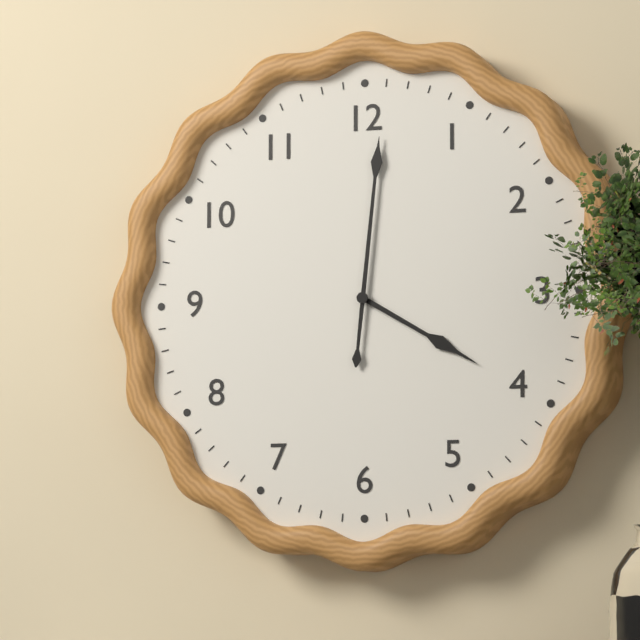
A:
**4:01**
